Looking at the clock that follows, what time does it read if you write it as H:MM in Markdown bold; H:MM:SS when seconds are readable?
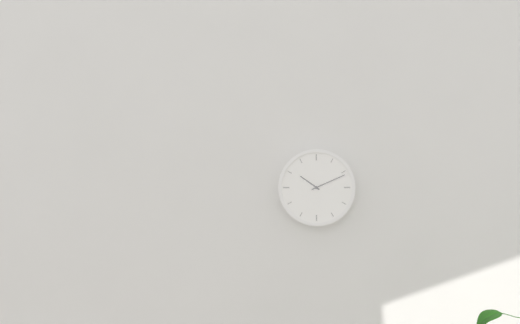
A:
**10:11**
